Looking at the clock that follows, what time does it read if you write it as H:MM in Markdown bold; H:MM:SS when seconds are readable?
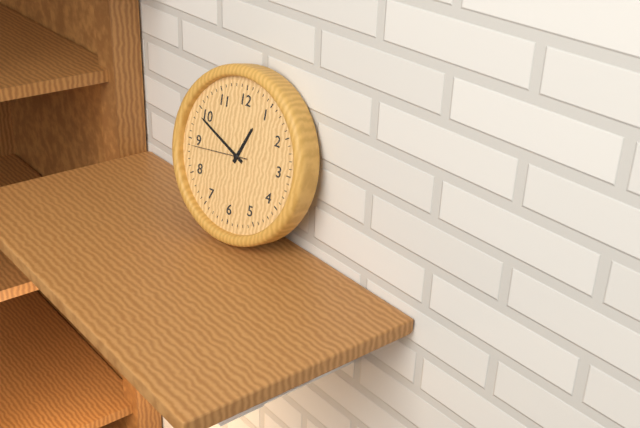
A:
**12:49:44**
